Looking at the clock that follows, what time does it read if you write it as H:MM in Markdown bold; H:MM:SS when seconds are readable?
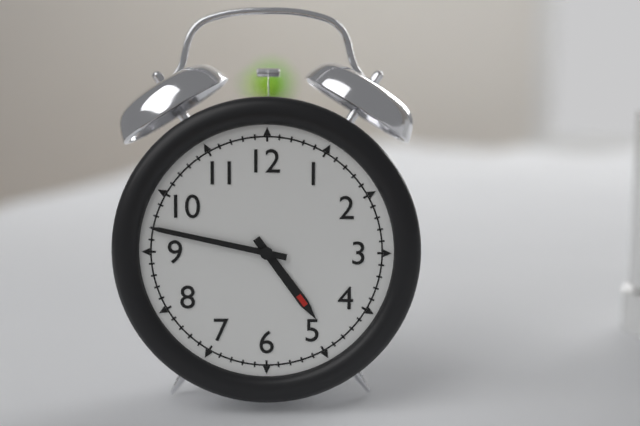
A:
**4:47**
